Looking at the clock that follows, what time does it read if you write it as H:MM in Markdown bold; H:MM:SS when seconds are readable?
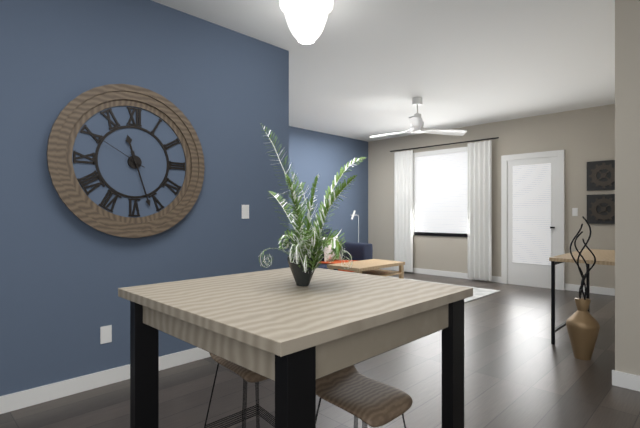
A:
**11:27:50**
